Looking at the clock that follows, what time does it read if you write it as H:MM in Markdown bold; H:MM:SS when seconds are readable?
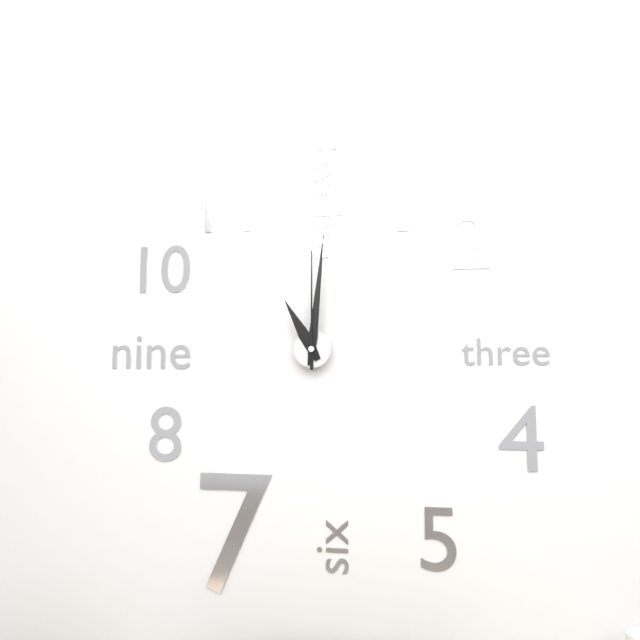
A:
**11:01:00**
